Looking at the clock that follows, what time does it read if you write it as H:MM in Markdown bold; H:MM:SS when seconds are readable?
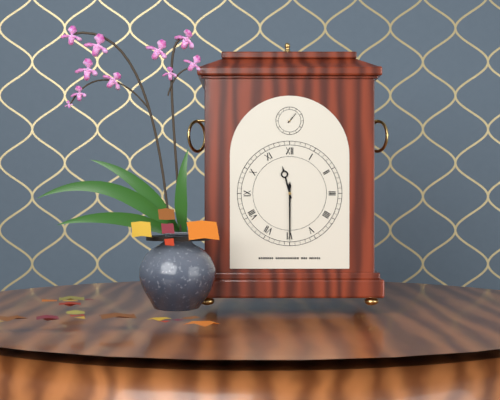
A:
**11:30**
